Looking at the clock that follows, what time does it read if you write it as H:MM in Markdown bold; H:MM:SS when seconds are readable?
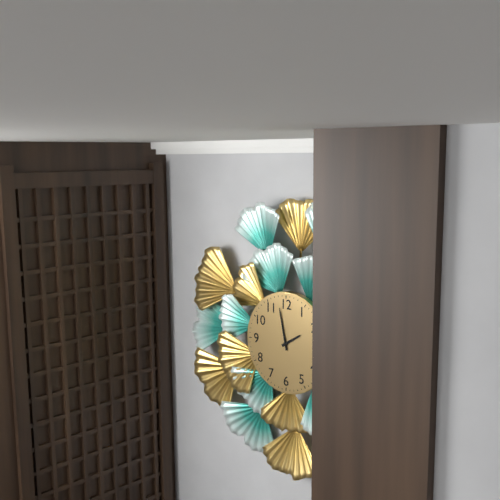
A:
**1:58**
